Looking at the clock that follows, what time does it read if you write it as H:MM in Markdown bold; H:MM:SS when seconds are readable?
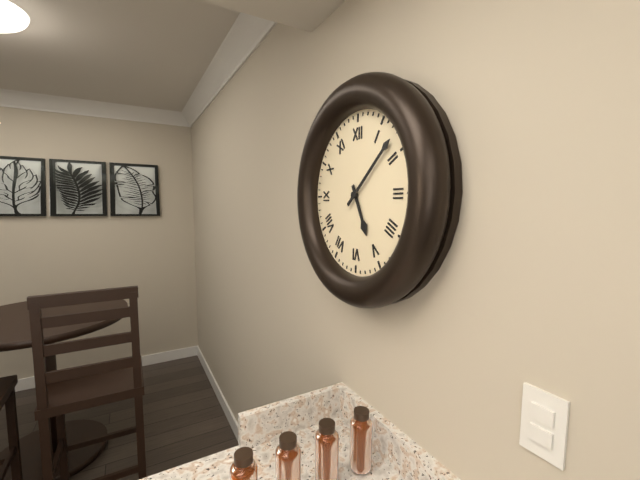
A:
**5:08**
